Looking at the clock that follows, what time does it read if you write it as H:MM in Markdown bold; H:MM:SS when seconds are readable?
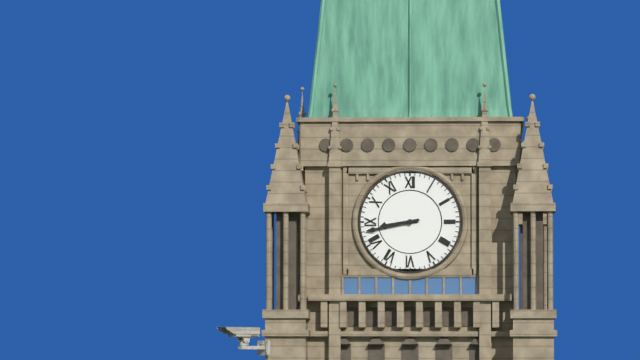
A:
**8:43**
